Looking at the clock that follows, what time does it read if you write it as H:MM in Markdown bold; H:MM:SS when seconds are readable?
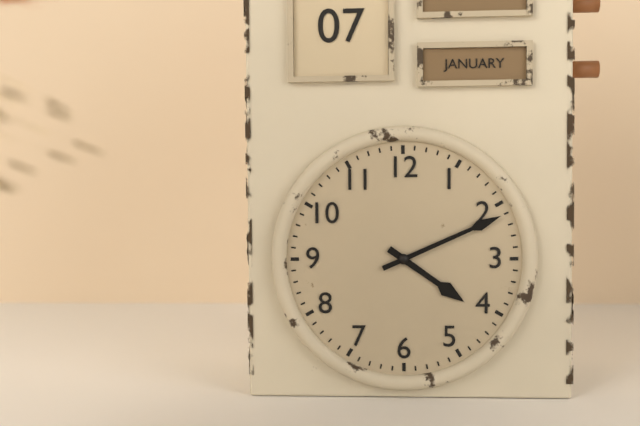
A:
**4:11**
